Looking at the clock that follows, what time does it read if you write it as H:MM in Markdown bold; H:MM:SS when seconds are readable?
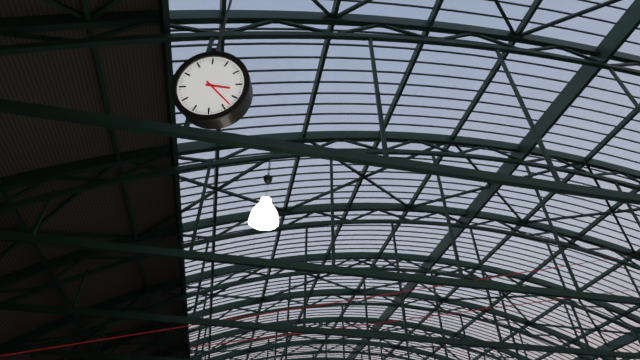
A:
**3:23**
